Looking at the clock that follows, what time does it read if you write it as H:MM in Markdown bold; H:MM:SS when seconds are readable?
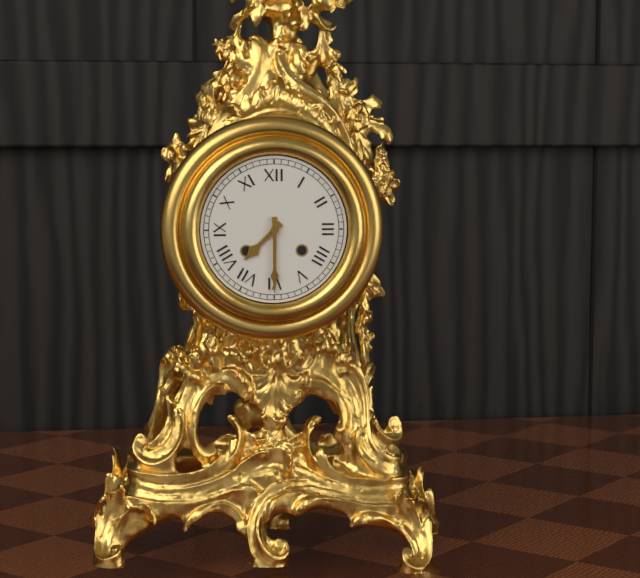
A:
**7:30**
